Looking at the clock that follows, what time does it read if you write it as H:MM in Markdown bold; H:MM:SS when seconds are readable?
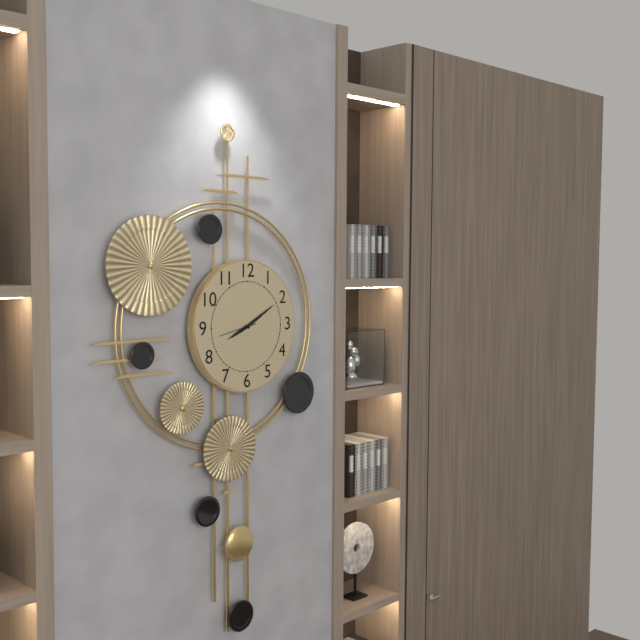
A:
**8:10**
